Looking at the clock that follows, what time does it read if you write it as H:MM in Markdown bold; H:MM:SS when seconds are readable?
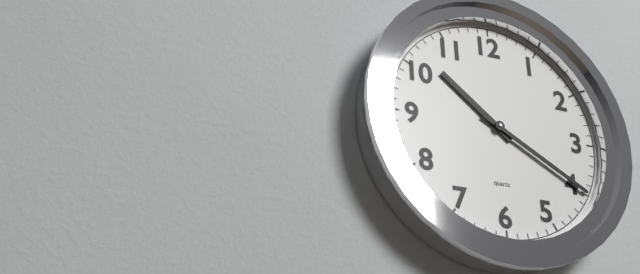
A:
**10:20**
